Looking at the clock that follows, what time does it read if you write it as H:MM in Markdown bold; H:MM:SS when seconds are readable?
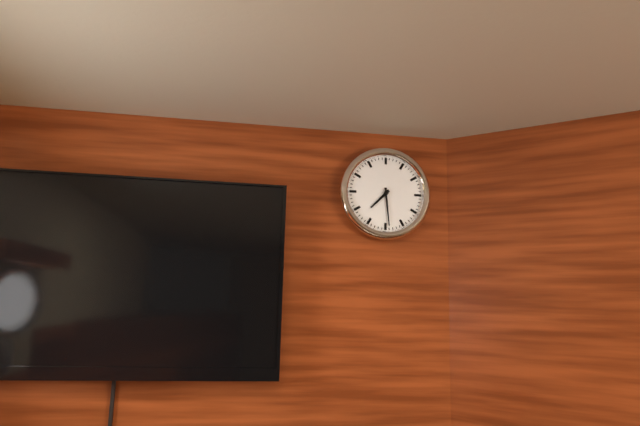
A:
**7:29**
